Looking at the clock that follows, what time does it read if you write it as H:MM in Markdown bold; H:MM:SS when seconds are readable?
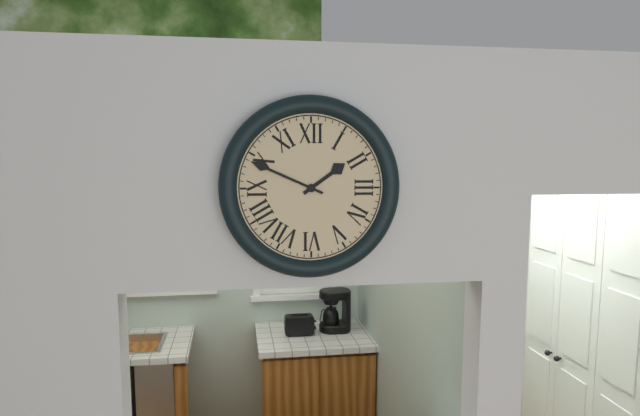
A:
**1:49**
